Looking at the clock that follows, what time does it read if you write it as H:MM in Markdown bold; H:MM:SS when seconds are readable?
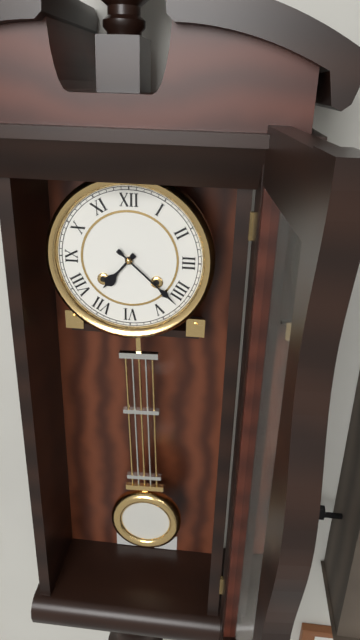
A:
**7:22**
